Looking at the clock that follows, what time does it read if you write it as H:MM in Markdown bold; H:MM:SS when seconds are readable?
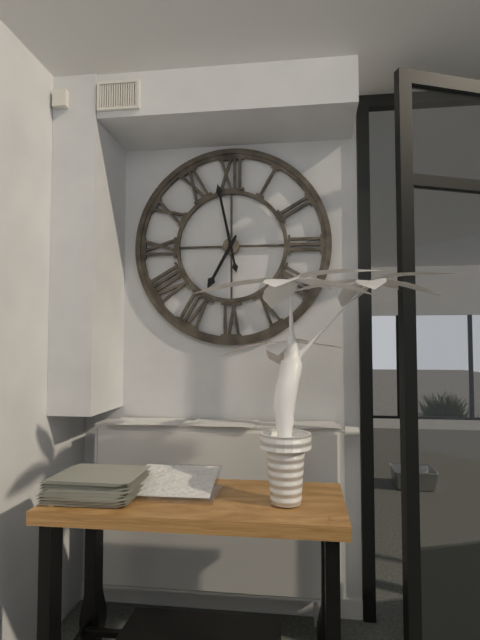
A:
**6:58**
